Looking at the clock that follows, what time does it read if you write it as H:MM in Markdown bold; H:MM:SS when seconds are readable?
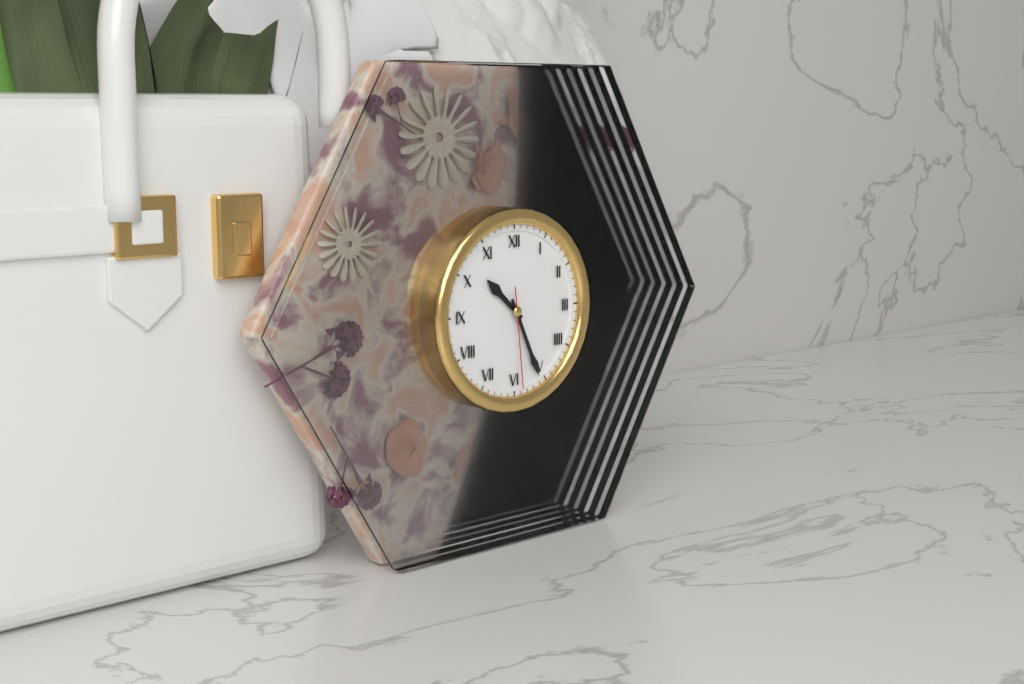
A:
**10:26:29**
